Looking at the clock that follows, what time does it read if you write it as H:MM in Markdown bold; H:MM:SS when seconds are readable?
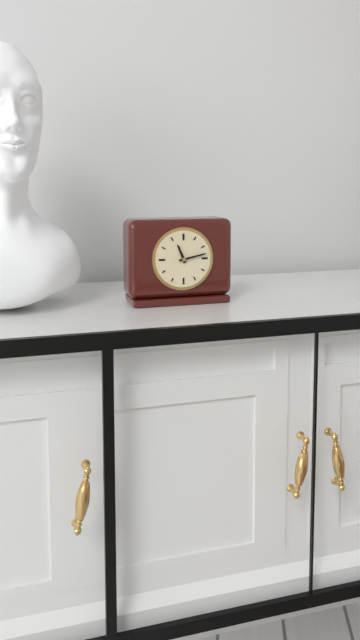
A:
**11:13**
